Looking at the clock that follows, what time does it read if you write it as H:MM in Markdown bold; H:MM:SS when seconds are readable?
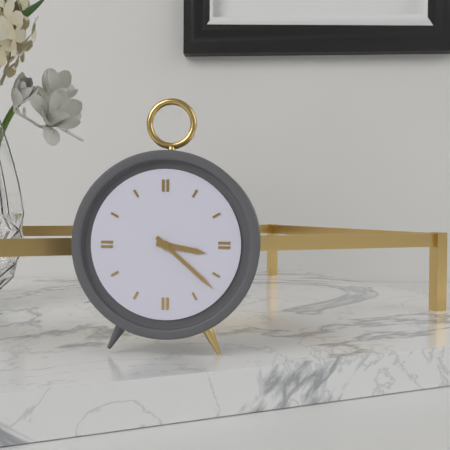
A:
**3:22**
